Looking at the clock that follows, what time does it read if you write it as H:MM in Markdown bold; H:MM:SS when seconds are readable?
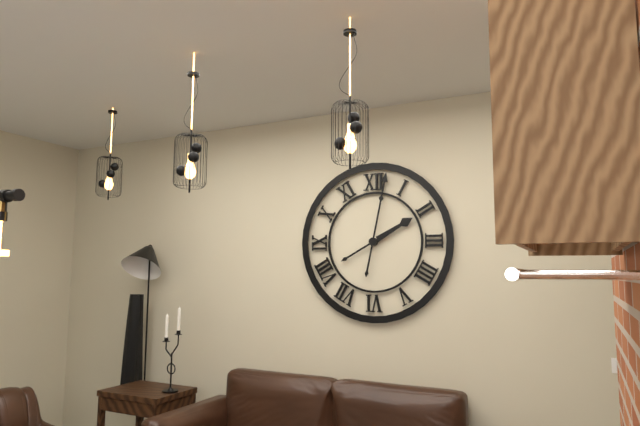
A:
**2:02**
